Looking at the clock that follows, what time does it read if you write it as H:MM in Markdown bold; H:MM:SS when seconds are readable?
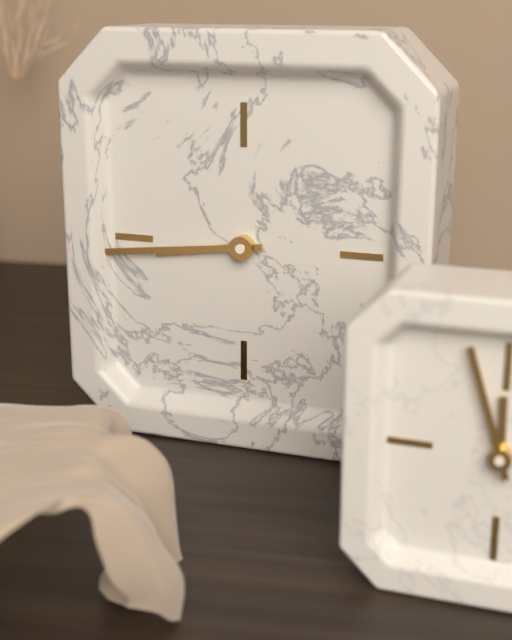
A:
**8:44**
